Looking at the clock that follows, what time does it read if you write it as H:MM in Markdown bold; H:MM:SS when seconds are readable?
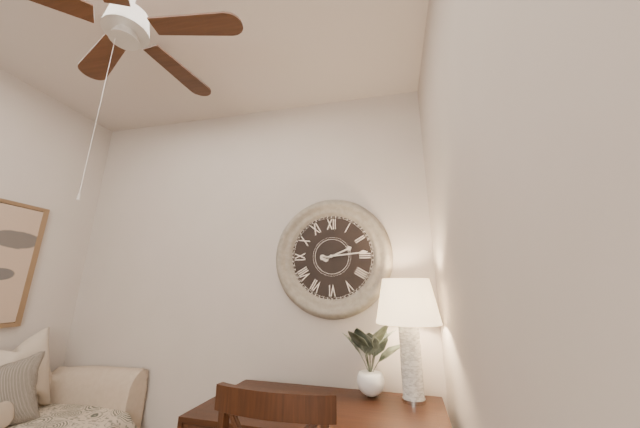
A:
**2:14**
